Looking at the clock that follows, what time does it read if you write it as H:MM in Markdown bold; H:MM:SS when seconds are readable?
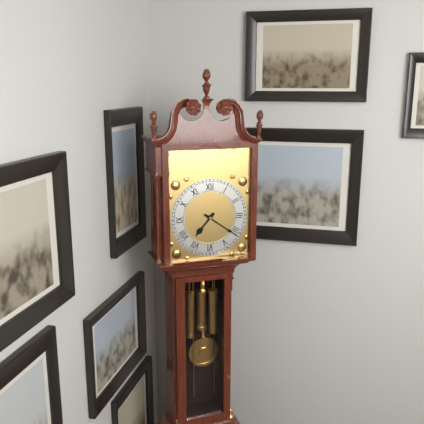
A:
**7:21**
